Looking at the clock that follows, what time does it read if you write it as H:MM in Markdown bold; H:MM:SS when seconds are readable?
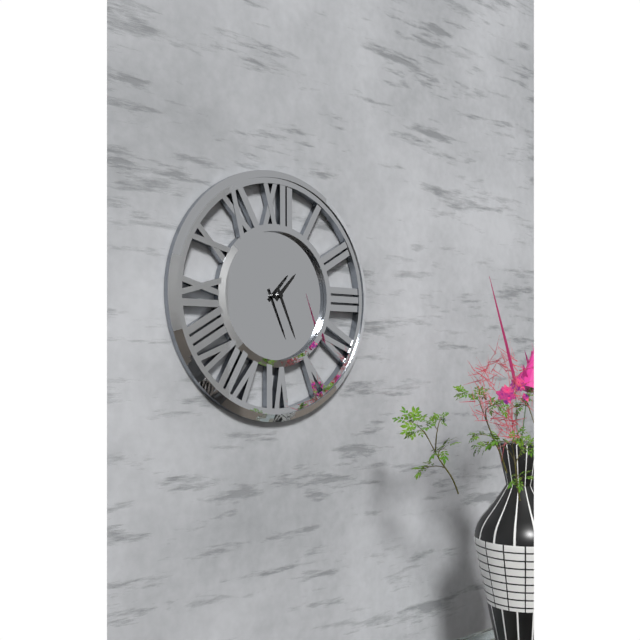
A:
**1:26**
